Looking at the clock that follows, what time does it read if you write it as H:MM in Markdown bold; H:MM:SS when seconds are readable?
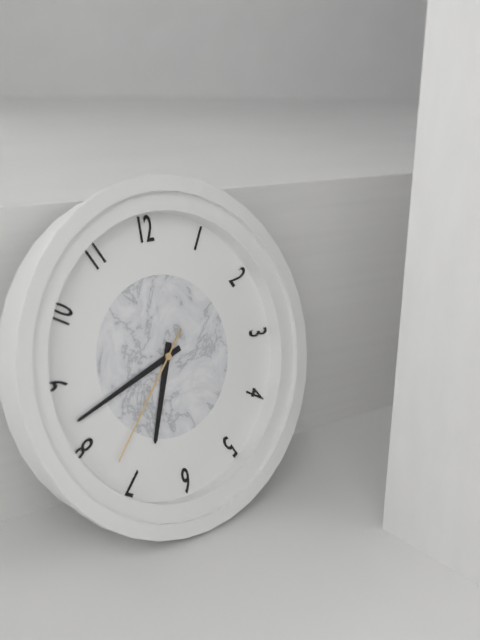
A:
**6:42:37**
